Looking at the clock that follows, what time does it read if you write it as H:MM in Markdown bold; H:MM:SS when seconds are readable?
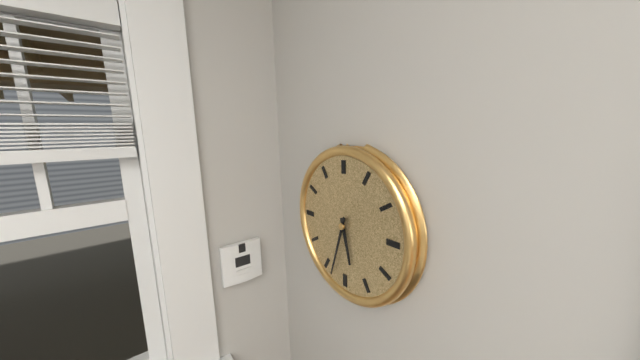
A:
**5:33**
